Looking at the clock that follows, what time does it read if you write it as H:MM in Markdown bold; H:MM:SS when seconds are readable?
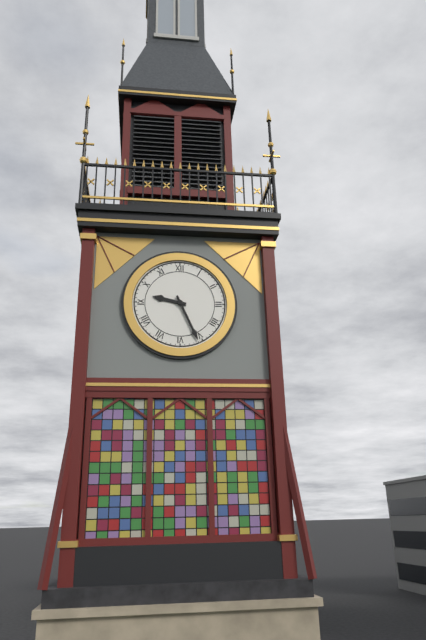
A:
**9:26**
